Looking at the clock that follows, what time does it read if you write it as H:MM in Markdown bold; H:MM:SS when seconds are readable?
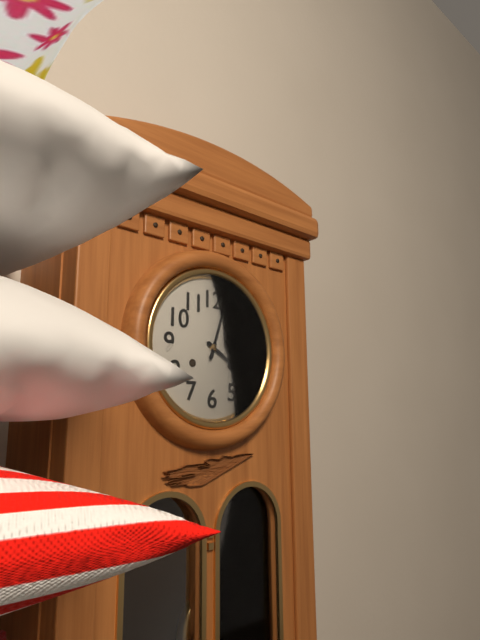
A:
**4:03**
